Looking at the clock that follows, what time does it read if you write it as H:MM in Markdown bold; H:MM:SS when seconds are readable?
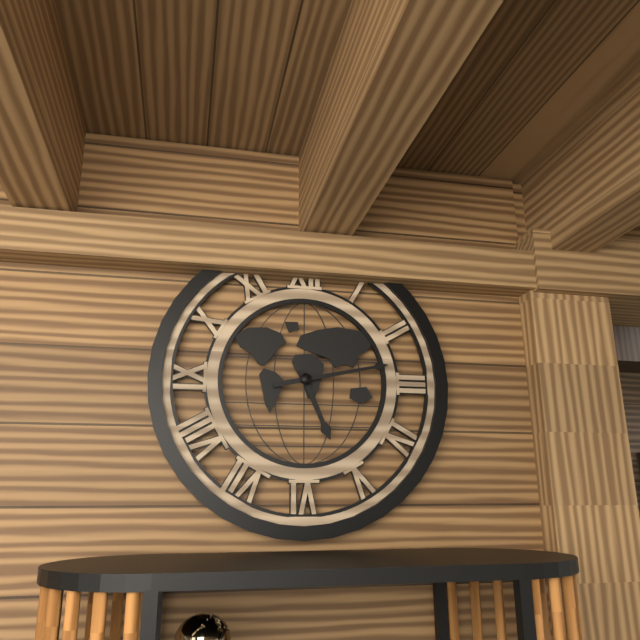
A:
**5:13**
